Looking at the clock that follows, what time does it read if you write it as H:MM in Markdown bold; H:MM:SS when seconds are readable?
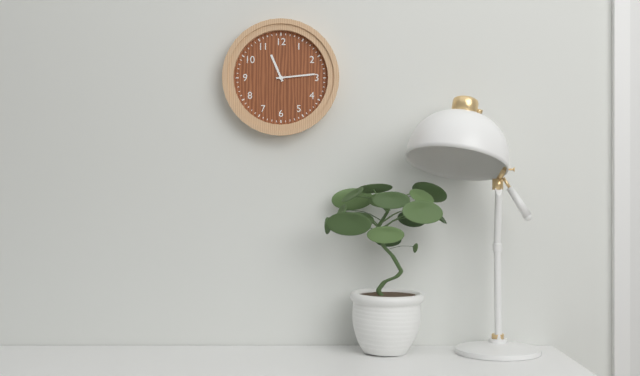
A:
**11:14**
